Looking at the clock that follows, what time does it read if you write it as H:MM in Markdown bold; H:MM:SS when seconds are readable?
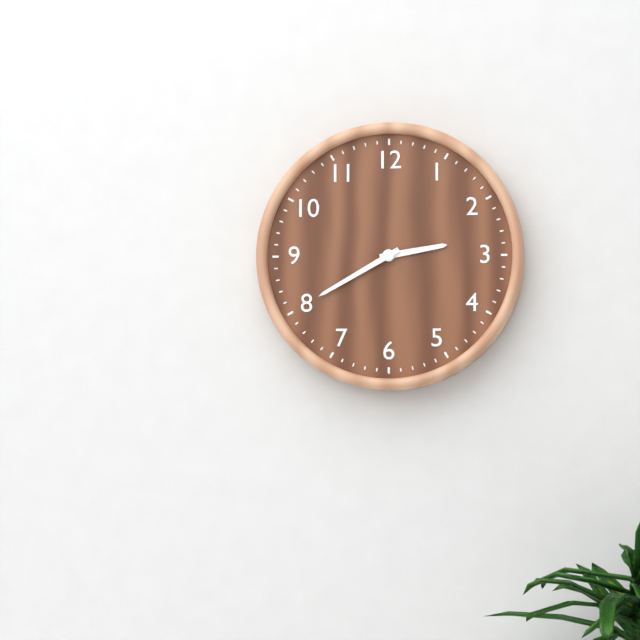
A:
**2:40**
